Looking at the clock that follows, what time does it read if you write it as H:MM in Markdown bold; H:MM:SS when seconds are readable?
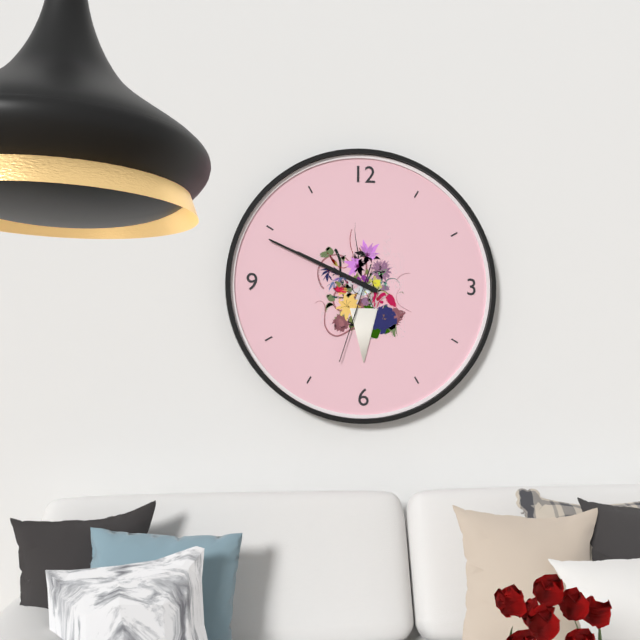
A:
**9:49:33**
